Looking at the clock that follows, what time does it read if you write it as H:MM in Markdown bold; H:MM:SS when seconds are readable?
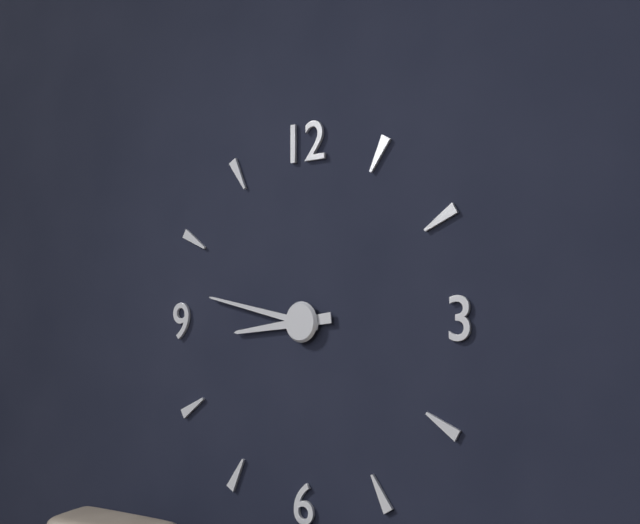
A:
**8:47**
